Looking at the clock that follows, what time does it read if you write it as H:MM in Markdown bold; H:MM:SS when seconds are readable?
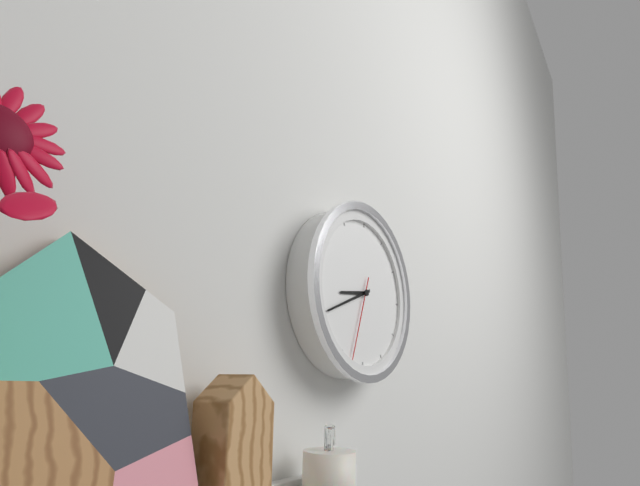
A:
**8:41:33**
